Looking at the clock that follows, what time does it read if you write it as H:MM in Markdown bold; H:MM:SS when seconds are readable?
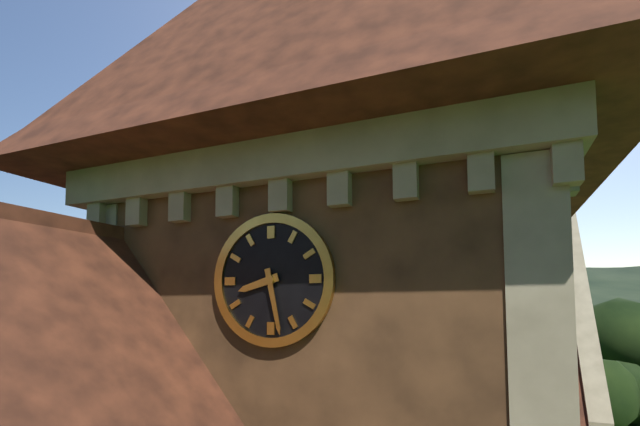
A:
**8:28**
